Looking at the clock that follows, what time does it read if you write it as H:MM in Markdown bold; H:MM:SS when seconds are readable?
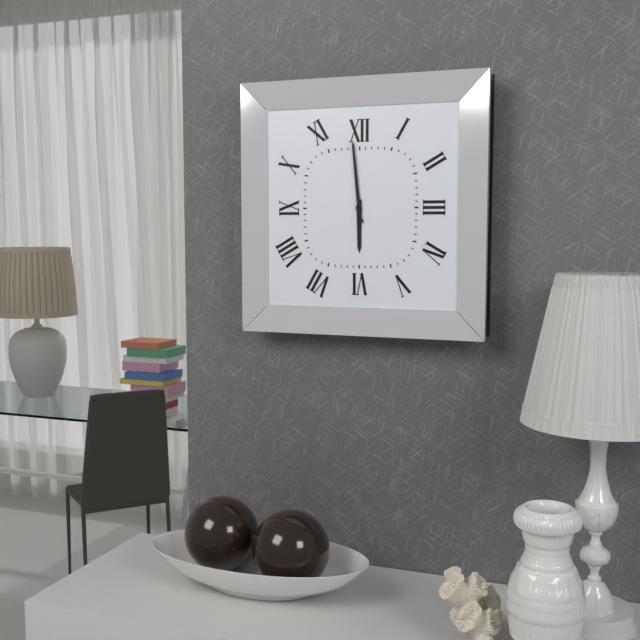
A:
**5:59**
